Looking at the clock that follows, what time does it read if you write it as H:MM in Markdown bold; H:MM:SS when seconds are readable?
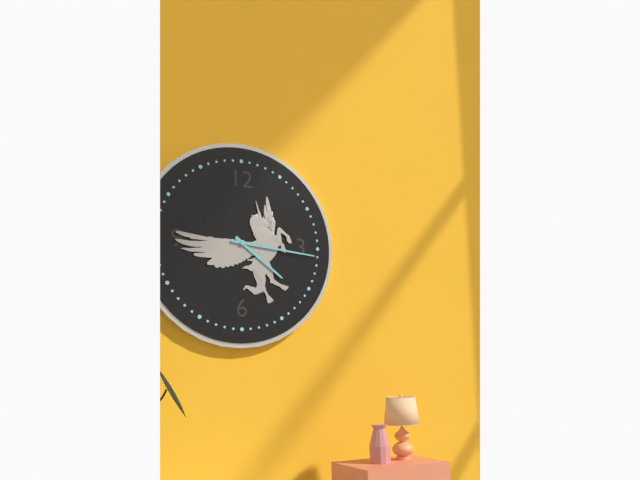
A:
**4:16**
